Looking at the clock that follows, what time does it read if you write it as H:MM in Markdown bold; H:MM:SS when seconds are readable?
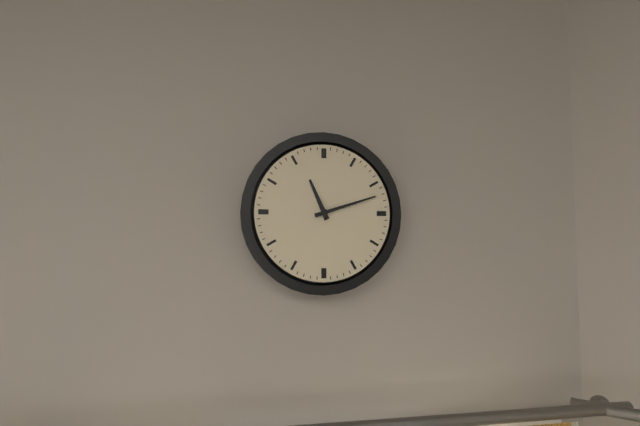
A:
**11:12**
